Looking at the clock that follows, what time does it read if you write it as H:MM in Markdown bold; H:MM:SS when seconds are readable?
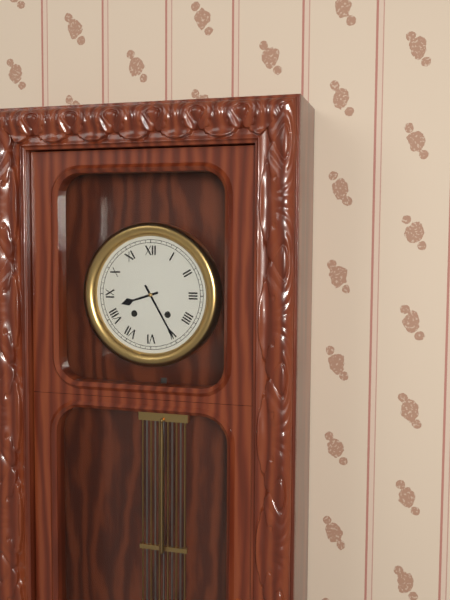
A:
**8:25**
